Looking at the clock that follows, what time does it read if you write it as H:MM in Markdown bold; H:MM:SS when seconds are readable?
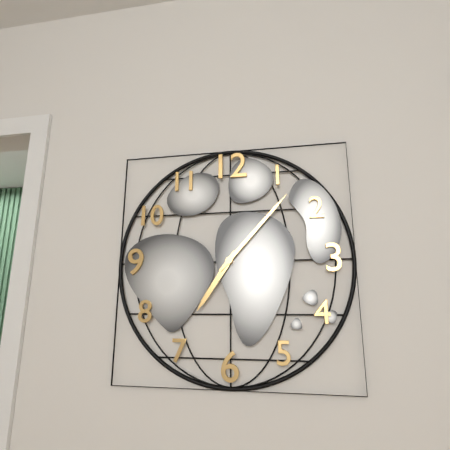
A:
**7:07**
